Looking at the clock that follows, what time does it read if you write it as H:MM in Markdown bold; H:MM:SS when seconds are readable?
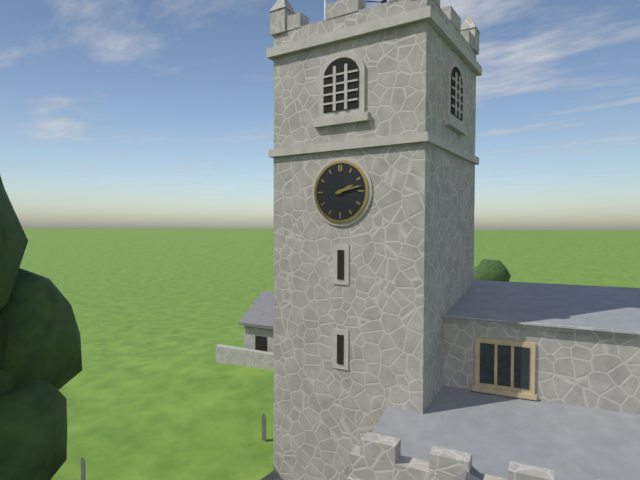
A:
**2:13**
